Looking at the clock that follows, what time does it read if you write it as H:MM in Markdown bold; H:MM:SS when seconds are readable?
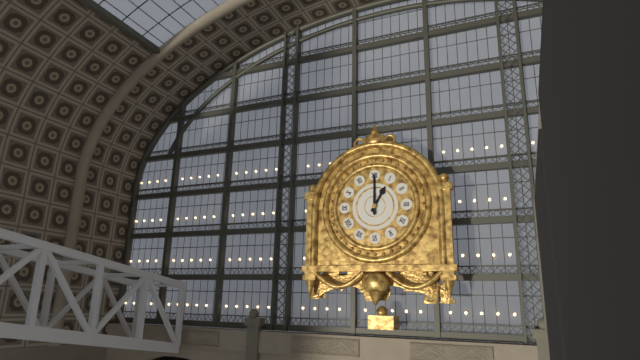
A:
**1:00**
